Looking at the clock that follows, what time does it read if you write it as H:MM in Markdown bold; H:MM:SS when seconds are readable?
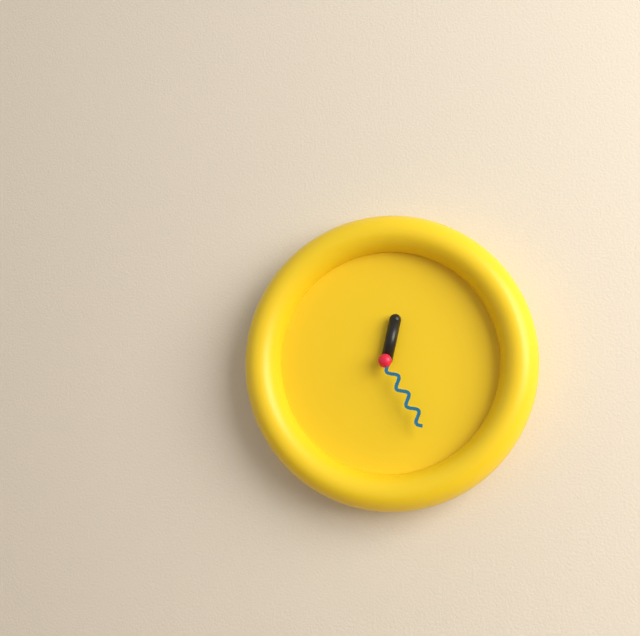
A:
**12:25**
